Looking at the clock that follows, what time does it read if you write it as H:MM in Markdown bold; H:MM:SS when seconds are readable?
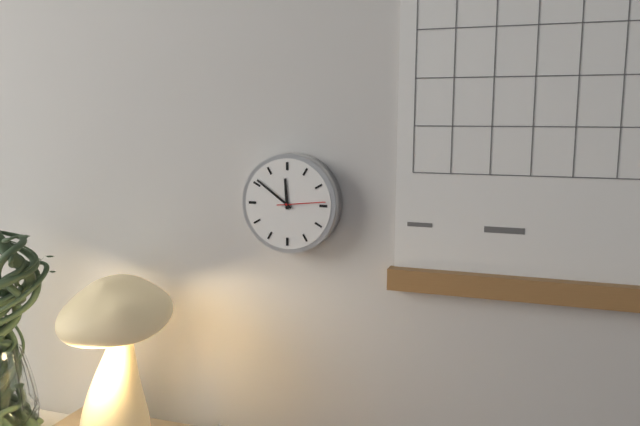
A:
**11:51**
